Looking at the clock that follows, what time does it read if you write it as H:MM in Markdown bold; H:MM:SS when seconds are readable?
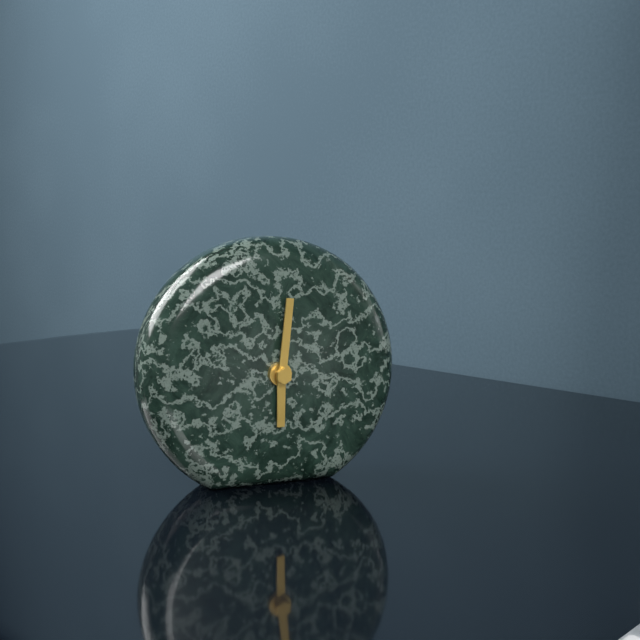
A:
**6:01**
